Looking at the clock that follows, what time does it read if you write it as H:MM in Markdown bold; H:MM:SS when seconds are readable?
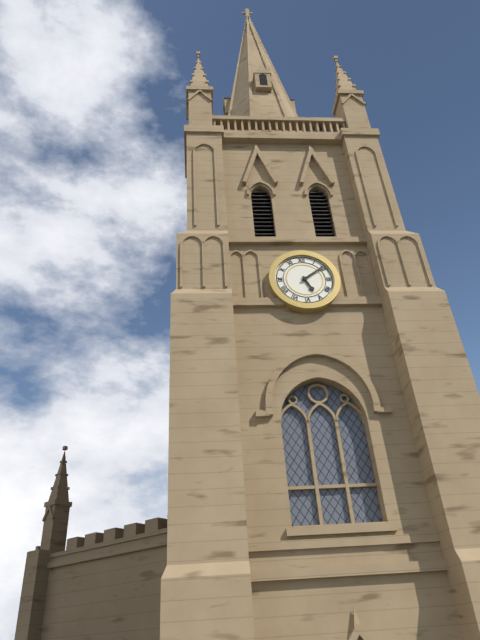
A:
**5:09**
